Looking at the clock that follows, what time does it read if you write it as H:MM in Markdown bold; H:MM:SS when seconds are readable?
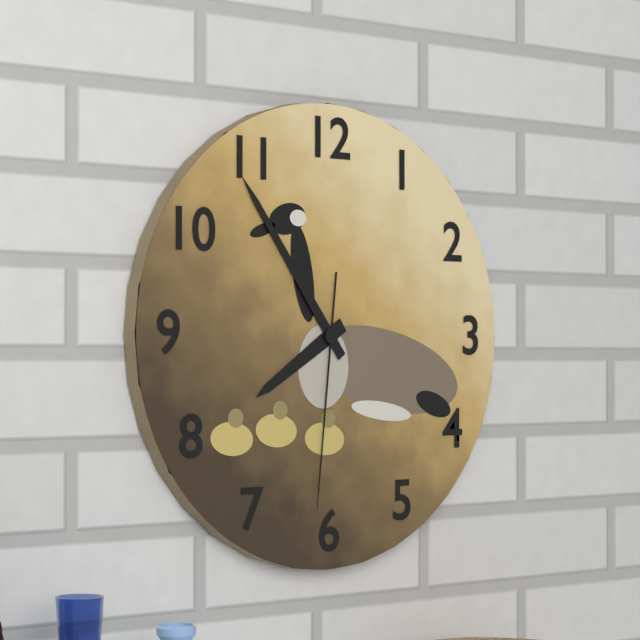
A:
**7:54:31**
